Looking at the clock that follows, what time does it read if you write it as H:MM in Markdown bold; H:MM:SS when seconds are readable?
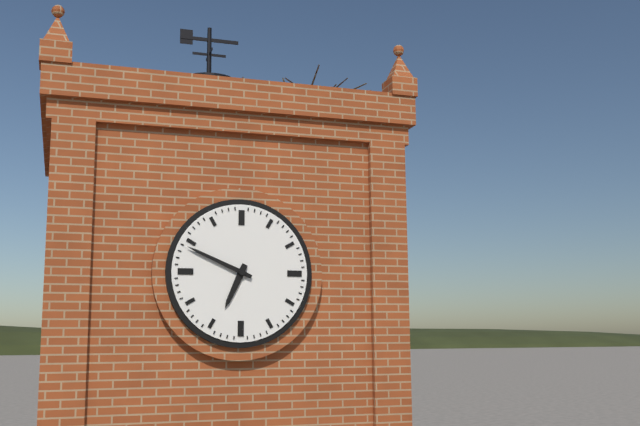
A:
**6:49**
